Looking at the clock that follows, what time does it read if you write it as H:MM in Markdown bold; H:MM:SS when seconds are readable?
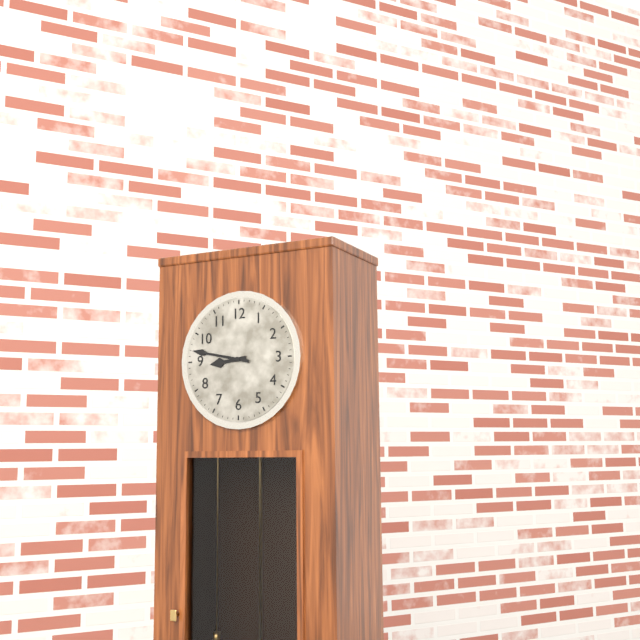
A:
**8:47**
